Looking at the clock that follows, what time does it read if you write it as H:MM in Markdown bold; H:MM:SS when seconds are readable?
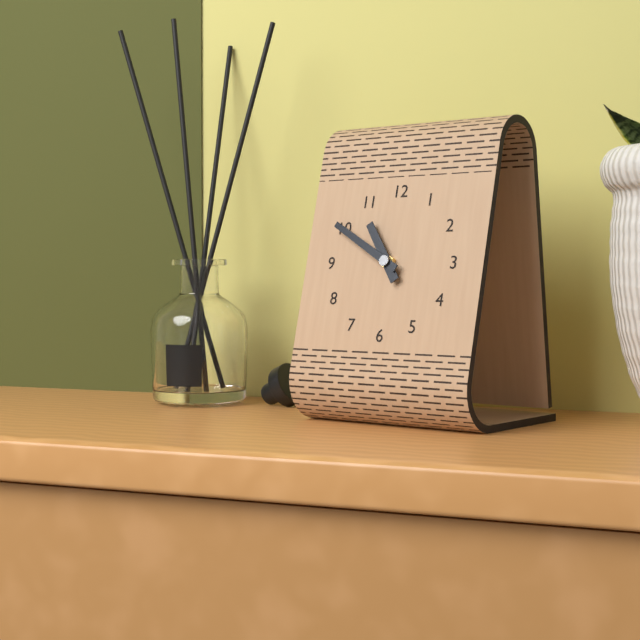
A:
**10:50**
